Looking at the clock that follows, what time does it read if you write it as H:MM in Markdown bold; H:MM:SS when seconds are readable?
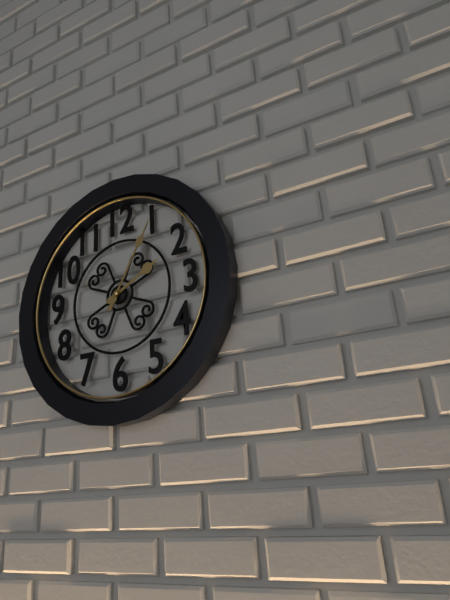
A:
**2:05**
